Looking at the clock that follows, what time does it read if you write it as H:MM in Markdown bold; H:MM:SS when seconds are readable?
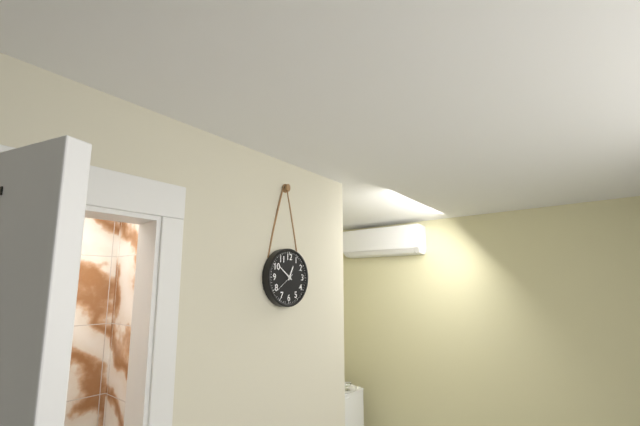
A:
**12:51**
